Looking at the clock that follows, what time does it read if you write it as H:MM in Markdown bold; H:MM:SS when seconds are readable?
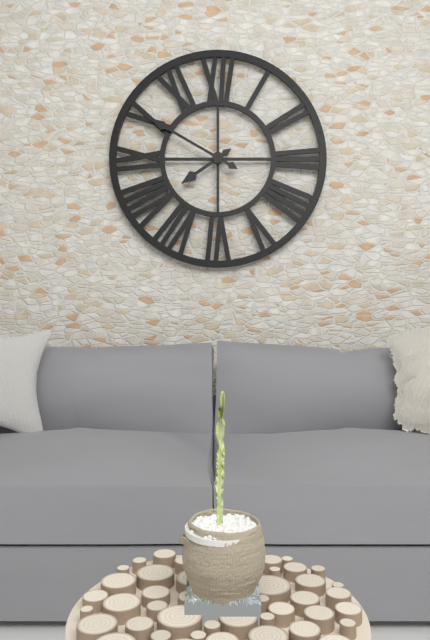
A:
**7:50**
